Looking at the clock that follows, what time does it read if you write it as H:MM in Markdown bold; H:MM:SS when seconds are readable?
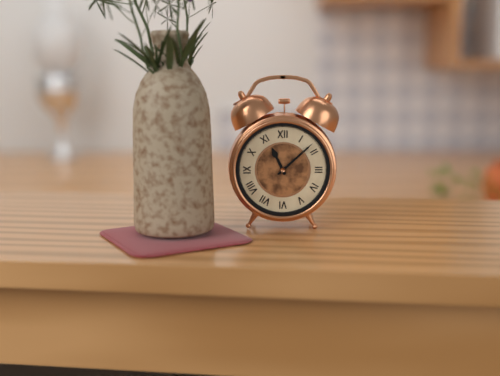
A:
**11:08**
